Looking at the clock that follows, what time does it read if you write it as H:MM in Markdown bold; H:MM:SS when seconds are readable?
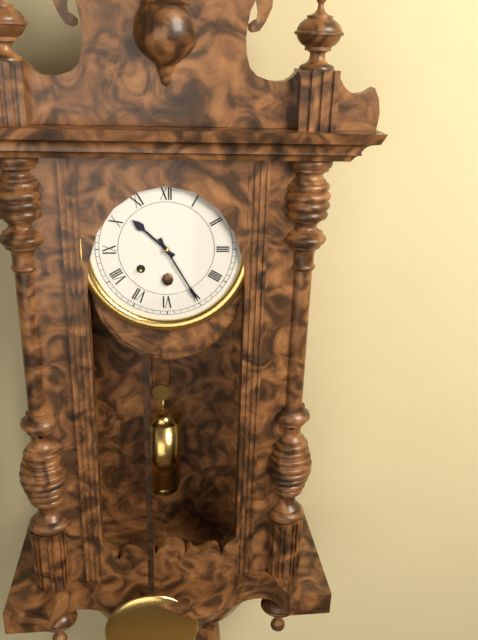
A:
**10:25**
